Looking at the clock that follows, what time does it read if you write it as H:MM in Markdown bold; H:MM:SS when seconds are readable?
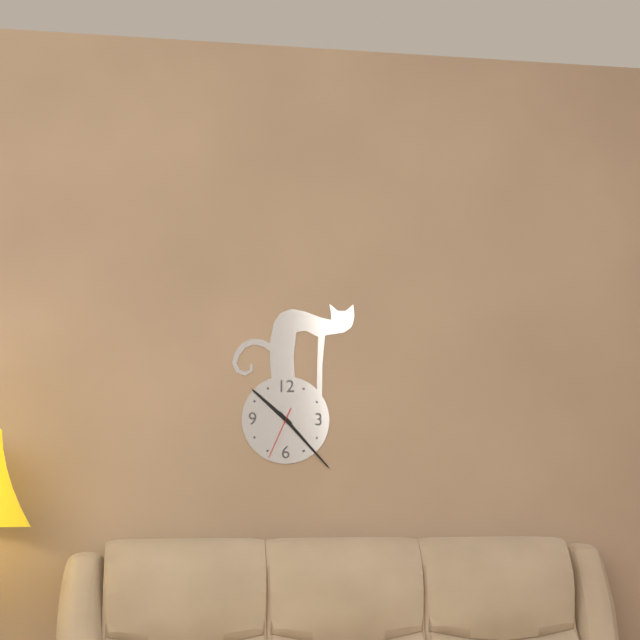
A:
**10:23:34**
